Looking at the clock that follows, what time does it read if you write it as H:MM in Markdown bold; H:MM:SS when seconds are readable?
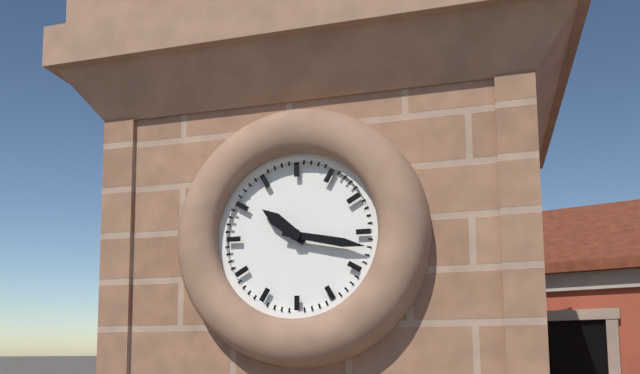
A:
**10:17**
